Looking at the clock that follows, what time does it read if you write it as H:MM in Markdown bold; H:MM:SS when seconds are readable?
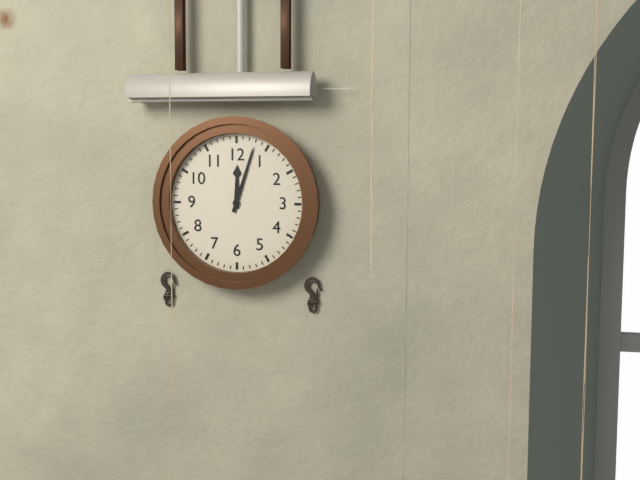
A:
**12:03**
